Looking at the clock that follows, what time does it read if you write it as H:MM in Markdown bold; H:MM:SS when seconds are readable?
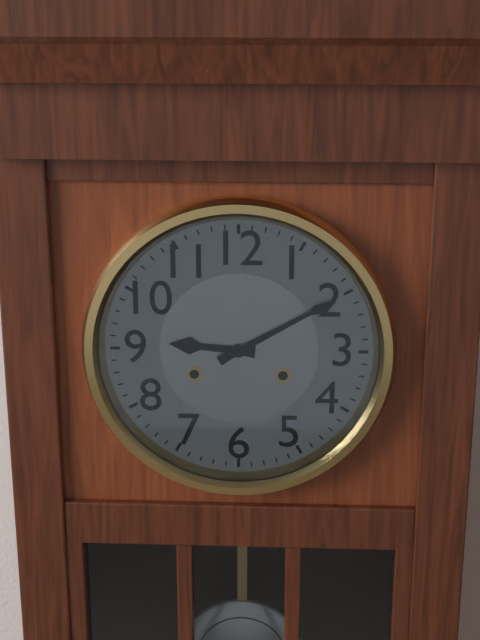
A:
**9:10**
